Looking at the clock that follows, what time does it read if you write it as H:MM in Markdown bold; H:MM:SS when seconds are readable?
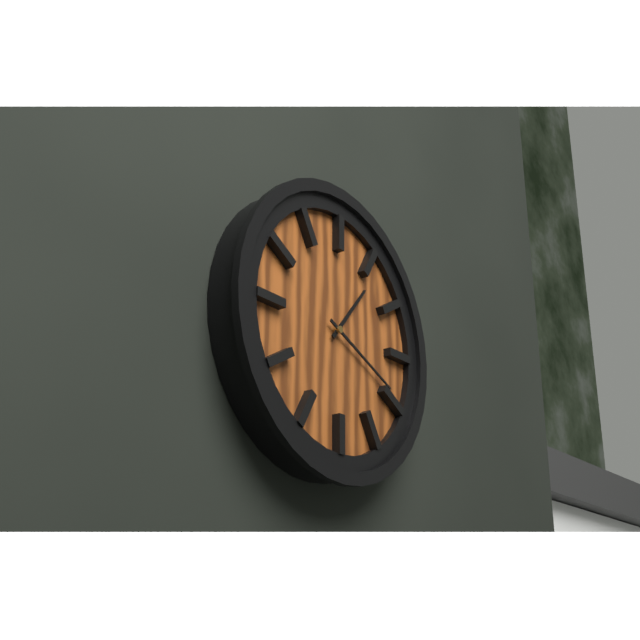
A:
**1:19**
